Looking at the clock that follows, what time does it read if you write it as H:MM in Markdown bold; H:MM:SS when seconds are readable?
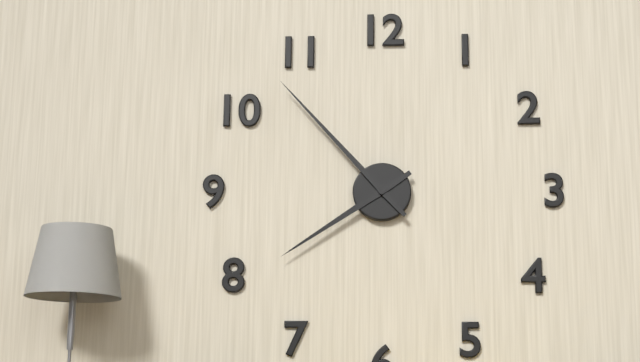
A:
**7:53**
